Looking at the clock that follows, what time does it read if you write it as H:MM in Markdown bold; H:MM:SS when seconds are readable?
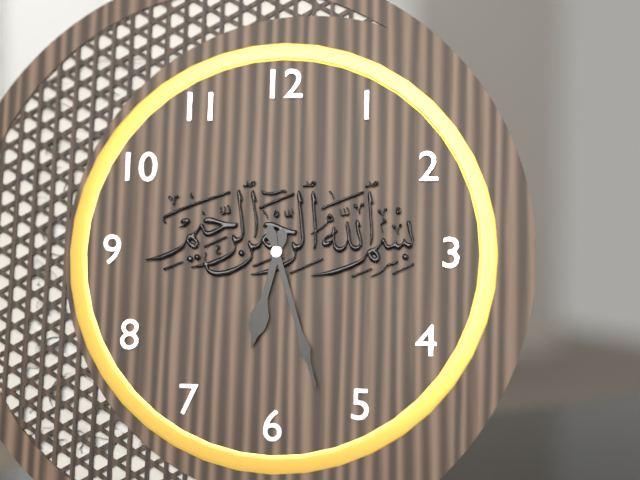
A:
**6:27**
